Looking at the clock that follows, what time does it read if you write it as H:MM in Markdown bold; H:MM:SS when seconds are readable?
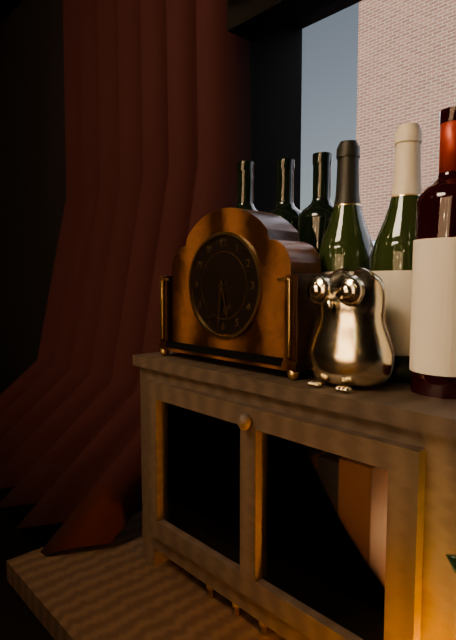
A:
**5:31**
